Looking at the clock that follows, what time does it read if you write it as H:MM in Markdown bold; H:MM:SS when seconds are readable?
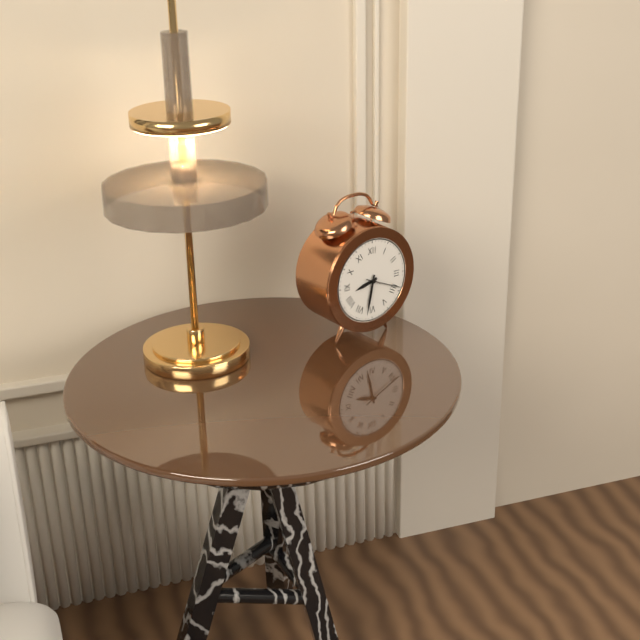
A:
**8:32**
